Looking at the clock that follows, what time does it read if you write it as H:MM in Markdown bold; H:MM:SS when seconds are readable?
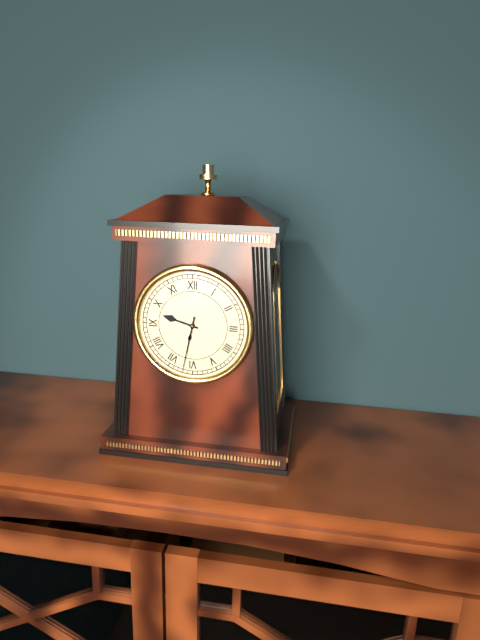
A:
**9:32**
